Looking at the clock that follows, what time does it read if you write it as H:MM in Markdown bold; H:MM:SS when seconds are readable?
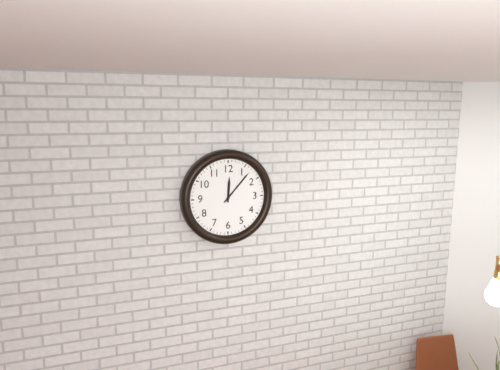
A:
**12:07**
